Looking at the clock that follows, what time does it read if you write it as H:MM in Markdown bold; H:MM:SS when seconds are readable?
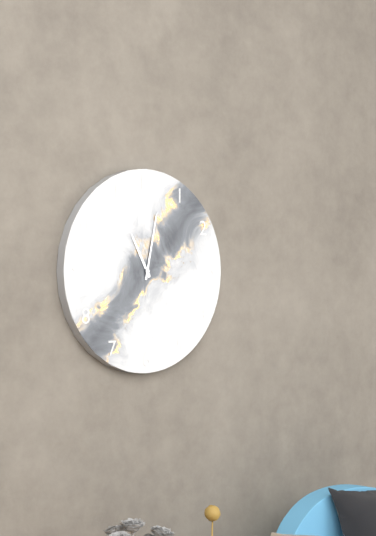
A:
**11:02**
